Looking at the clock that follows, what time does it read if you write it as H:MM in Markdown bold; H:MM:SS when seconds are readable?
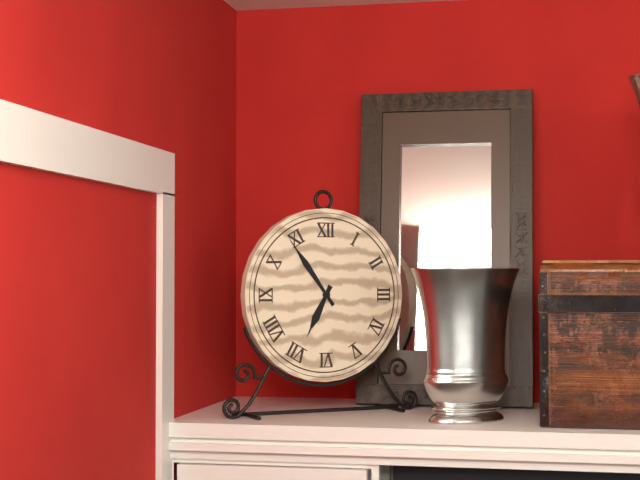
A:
**6:54**
